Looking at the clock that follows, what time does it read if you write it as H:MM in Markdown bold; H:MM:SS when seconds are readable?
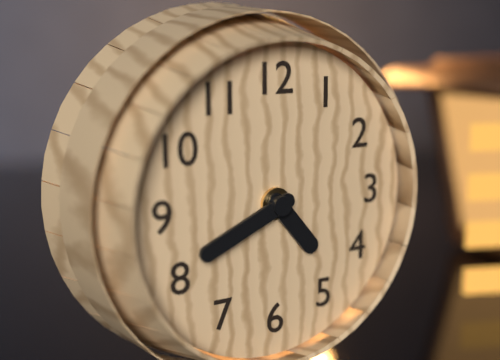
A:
**4:41**
